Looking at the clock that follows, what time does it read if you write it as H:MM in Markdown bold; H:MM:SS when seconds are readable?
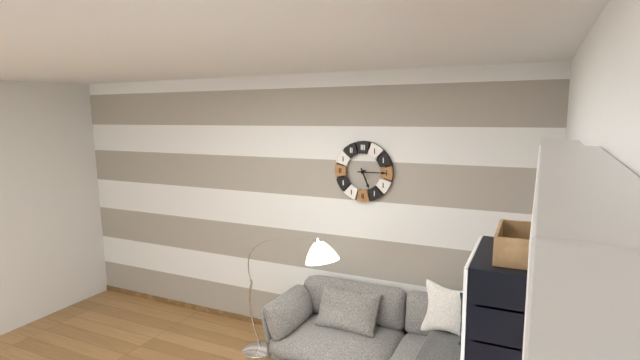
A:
**5:15**
